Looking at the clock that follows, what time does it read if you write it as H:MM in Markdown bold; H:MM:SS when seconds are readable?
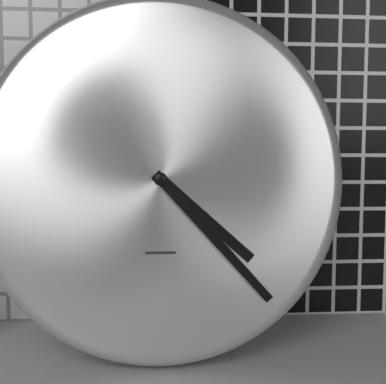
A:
**4:23**
